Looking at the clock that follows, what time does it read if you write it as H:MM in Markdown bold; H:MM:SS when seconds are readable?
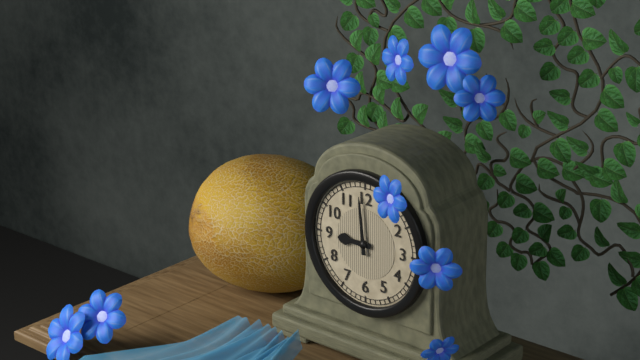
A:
**8:59**
